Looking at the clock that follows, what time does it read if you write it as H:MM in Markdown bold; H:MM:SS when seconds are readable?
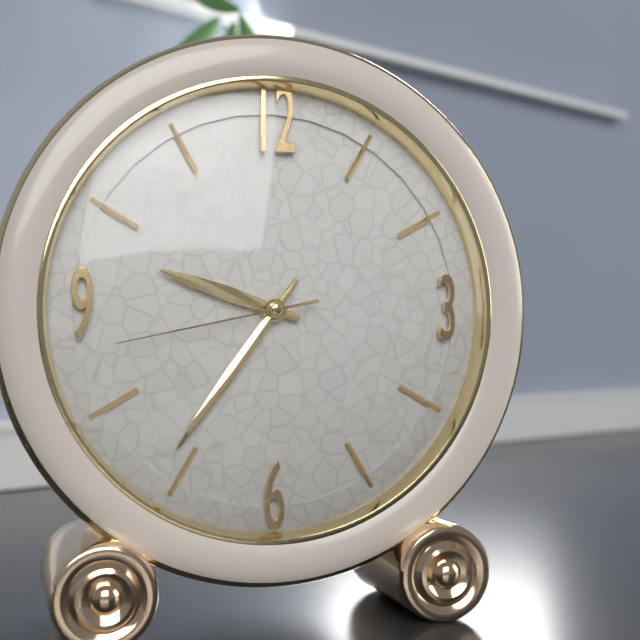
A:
**9:36:43**
